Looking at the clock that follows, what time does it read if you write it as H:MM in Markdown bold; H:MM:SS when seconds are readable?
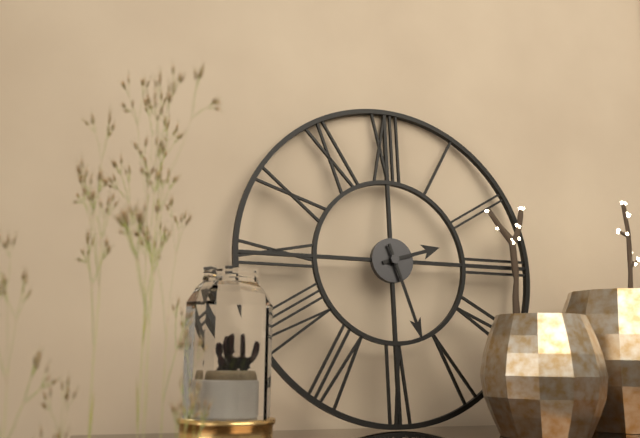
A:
**2:27**
